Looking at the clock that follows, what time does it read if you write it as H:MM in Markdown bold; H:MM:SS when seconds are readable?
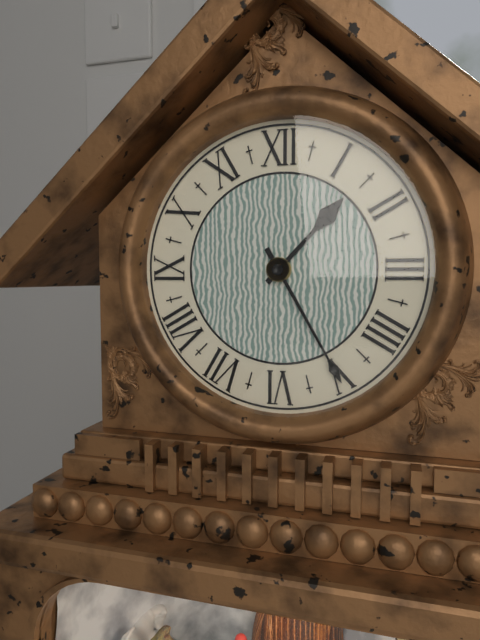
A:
**1:25**
